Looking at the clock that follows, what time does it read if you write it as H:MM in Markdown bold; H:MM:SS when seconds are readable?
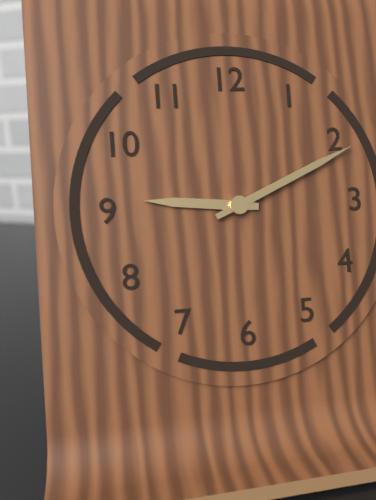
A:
**9:11**
